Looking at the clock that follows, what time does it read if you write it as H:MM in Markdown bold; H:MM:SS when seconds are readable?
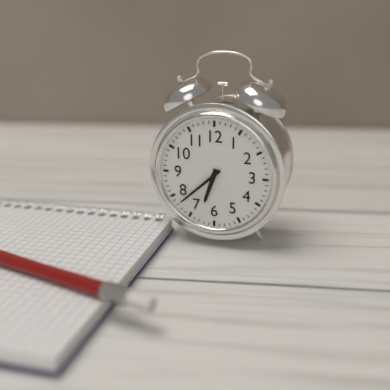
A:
**6:38**
